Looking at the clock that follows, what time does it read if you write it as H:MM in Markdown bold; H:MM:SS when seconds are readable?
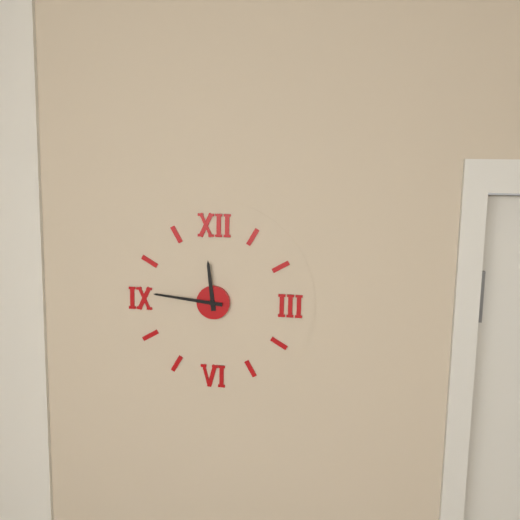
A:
**11:46**
